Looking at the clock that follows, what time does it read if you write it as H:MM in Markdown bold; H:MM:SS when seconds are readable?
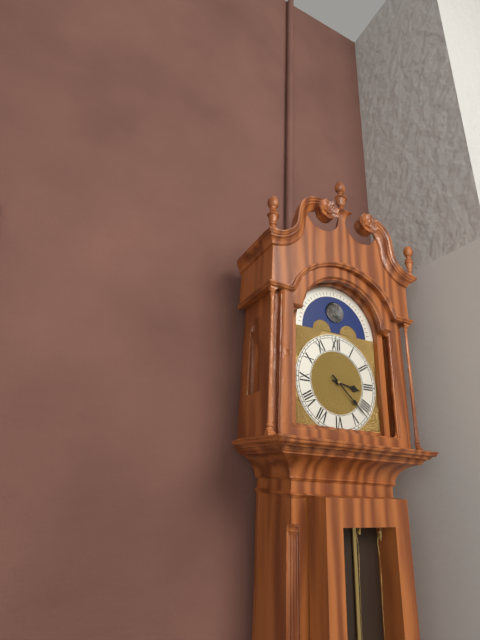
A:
**3:22**
